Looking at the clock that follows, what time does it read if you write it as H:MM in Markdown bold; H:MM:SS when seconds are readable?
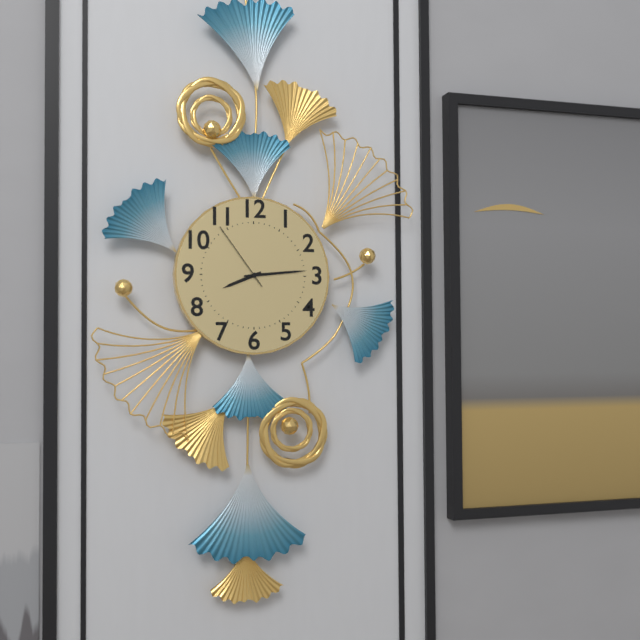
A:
**8:14:54**
